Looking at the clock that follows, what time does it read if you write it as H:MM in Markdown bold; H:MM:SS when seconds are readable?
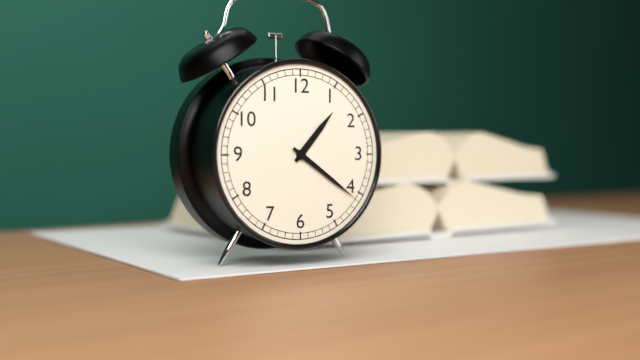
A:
**1:21**
